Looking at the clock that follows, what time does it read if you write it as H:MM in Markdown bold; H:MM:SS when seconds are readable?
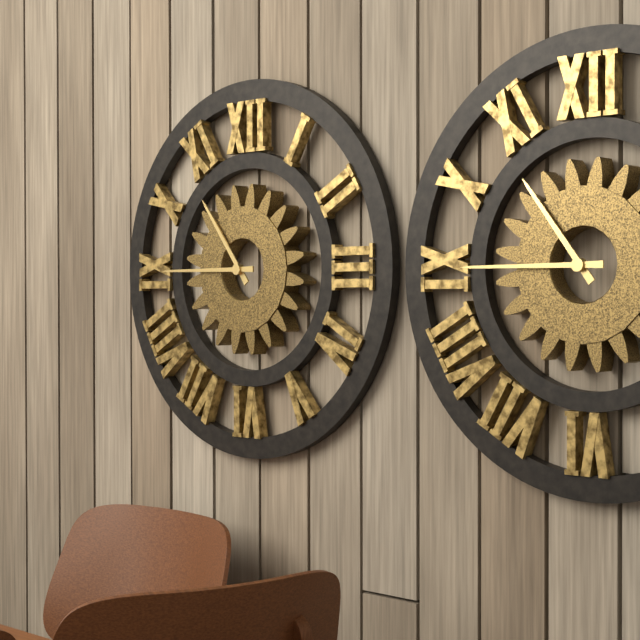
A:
**10:45**
